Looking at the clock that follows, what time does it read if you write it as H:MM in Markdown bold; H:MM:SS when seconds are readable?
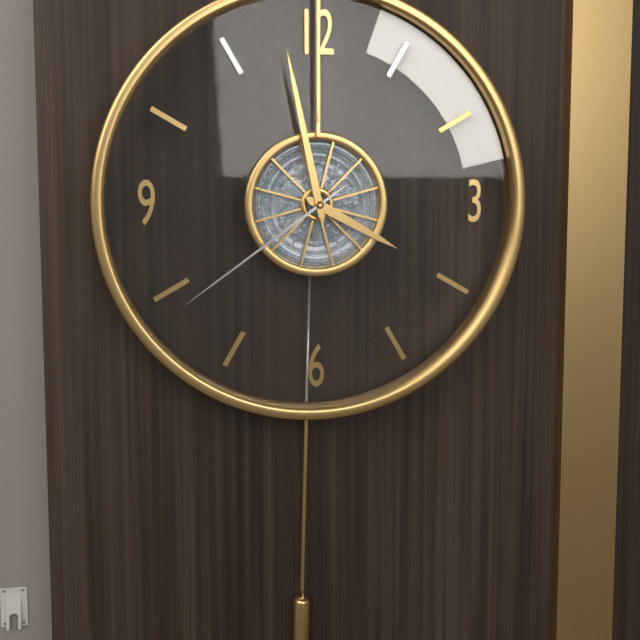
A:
**3:58:39**
